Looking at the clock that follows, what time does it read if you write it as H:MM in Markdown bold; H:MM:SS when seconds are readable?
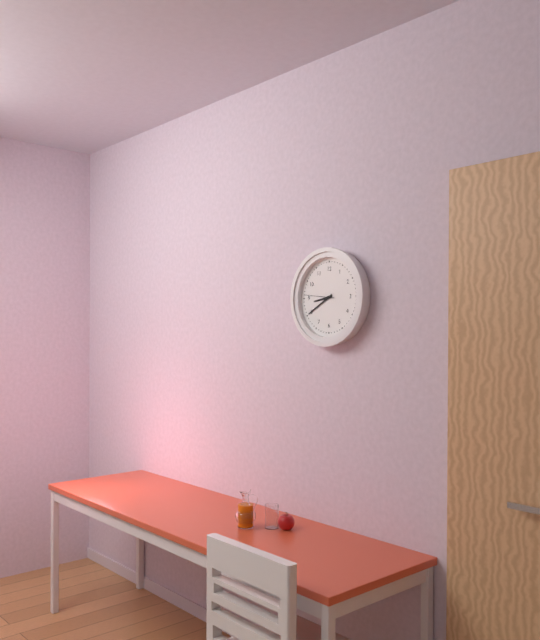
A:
**8:40**
